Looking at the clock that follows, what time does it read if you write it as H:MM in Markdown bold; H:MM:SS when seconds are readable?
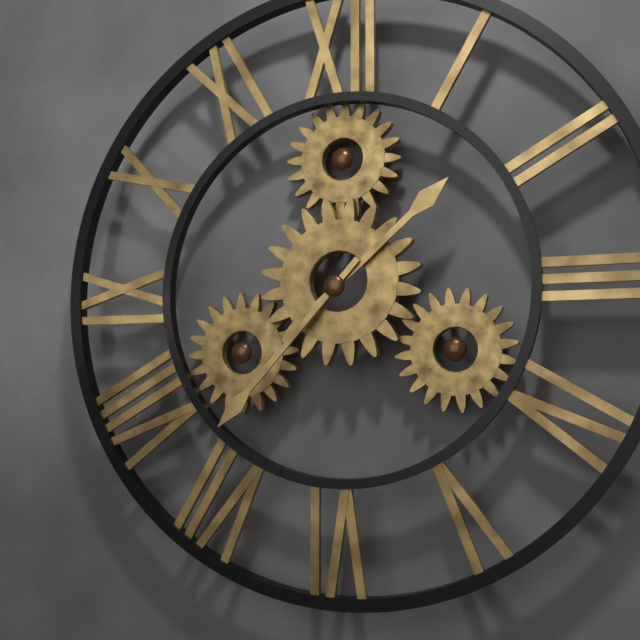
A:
**1:37**
